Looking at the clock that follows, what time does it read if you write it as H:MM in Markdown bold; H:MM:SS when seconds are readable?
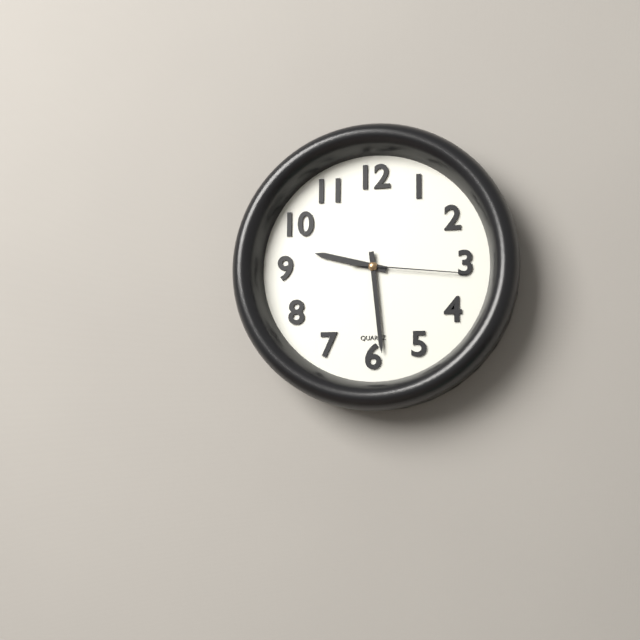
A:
**9:29:16**
